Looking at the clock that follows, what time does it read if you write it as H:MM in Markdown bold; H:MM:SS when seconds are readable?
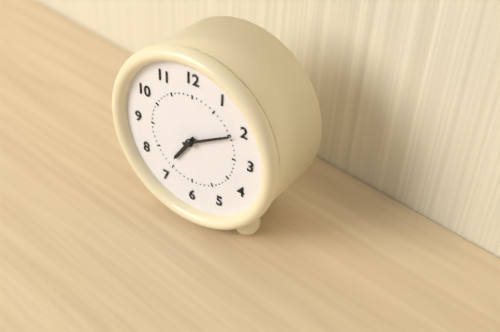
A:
**7:10**
